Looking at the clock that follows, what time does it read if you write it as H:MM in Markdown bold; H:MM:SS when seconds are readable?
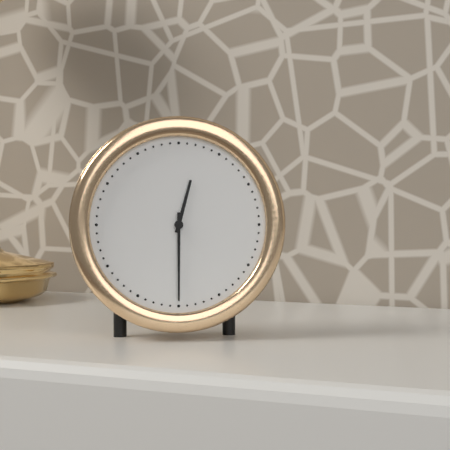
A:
**12:30**
